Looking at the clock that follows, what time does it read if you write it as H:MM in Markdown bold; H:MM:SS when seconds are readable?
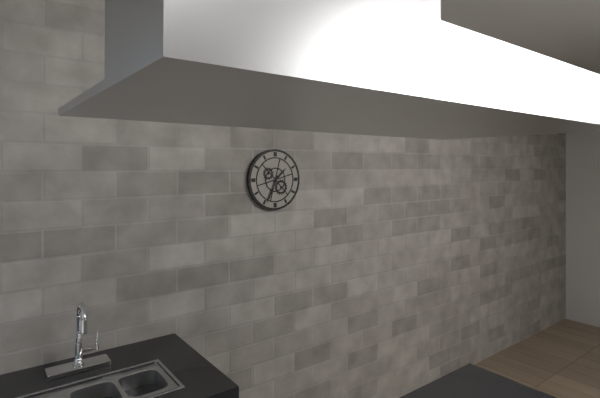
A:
**1:34**
